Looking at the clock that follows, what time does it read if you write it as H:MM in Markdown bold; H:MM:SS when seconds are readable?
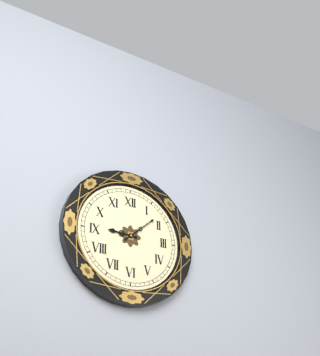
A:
**9:08**
